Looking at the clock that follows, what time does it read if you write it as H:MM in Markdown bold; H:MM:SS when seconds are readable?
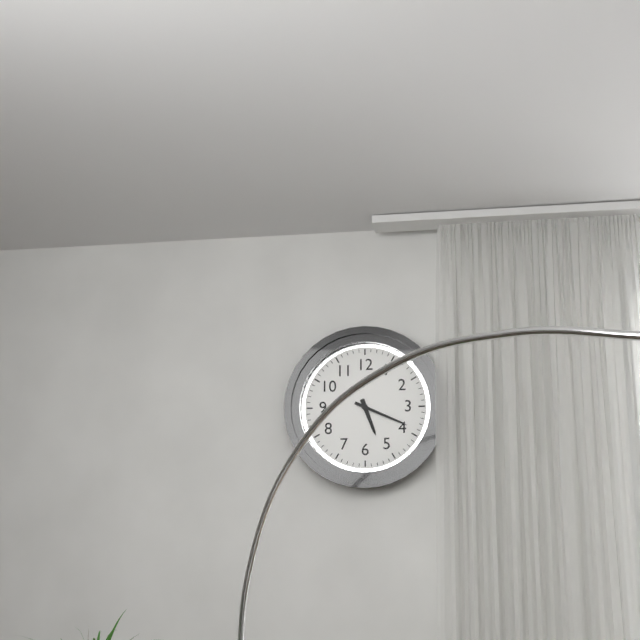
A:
**5:19**
